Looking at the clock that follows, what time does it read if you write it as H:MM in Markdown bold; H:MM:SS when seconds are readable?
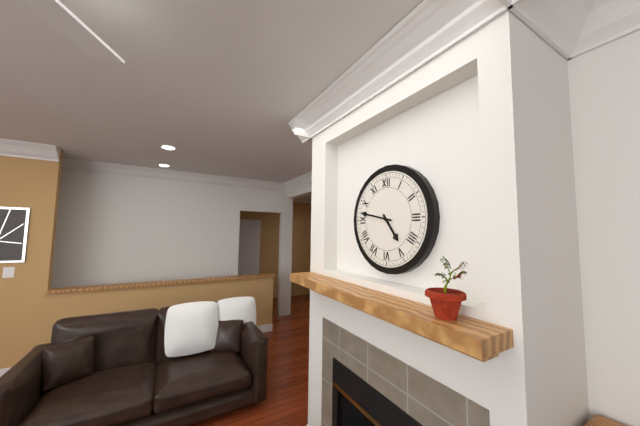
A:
**4:47**
